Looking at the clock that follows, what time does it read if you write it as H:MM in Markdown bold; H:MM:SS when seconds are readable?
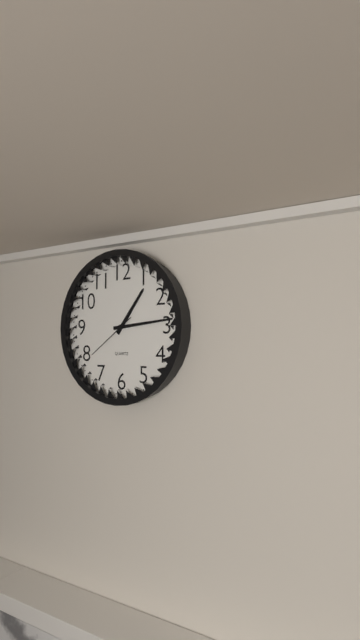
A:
**1:14:39**
